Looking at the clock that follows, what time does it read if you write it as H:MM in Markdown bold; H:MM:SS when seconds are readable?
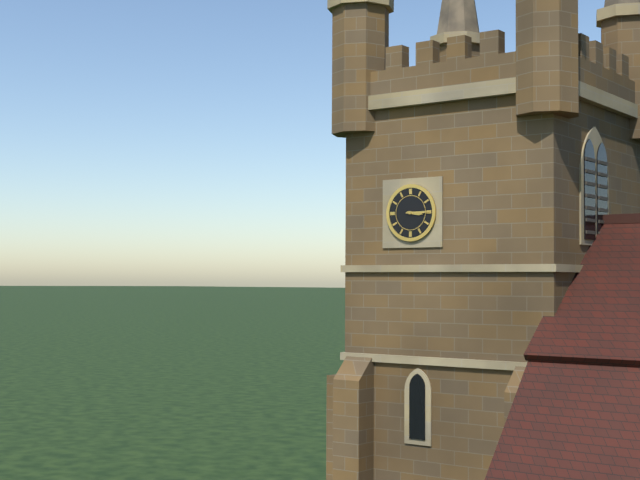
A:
**3:15**
